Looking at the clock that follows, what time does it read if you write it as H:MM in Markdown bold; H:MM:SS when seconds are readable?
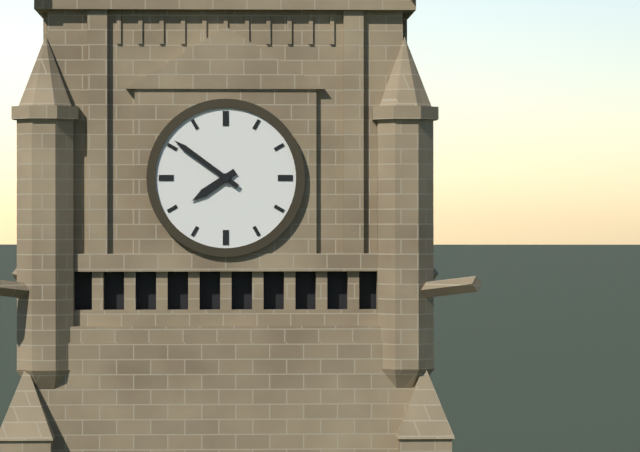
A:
**7:51**
